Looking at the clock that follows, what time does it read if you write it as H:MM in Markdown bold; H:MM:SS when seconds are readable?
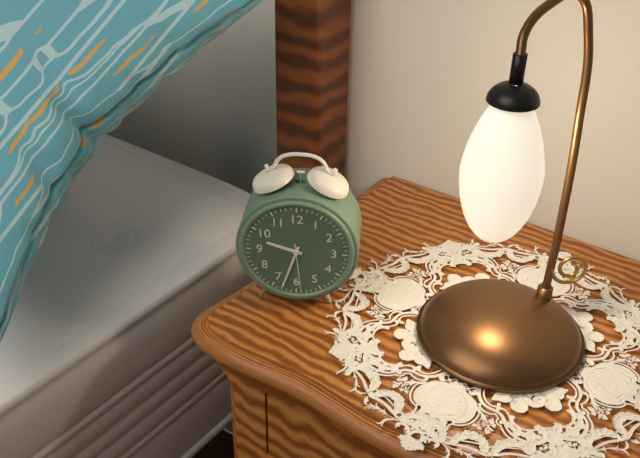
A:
**9:33**
